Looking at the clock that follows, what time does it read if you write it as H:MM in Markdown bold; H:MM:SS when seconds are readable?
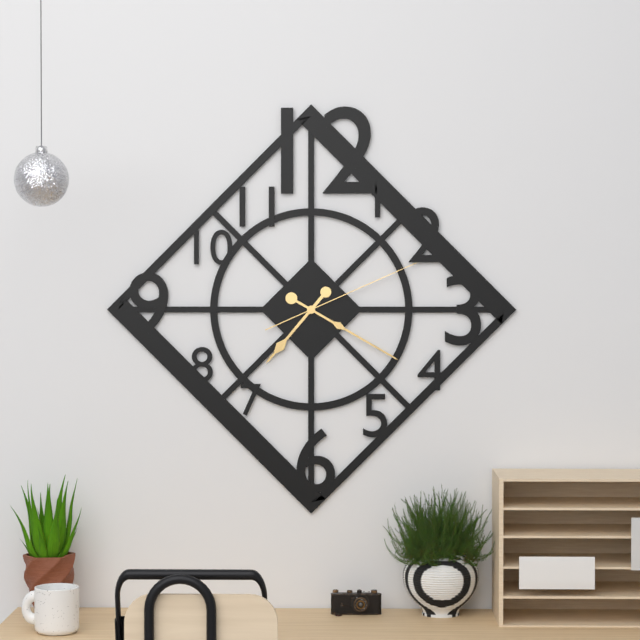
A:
**7:20:11**
